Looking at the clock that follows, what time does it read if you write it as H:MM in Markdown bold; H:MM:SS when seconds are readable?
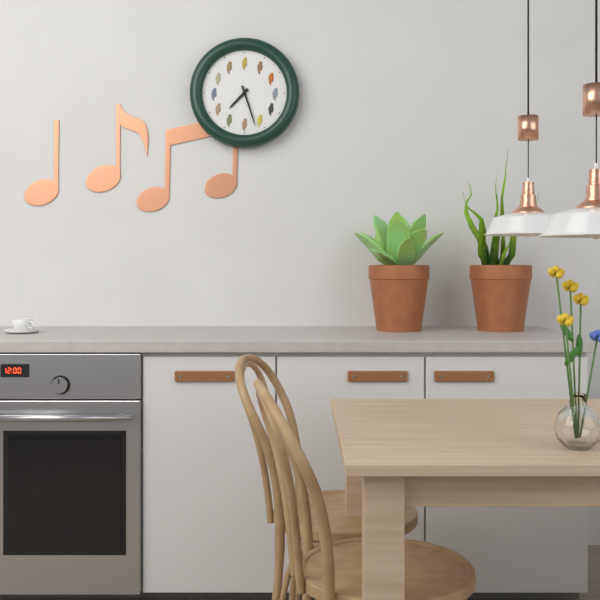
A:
**7:27**
